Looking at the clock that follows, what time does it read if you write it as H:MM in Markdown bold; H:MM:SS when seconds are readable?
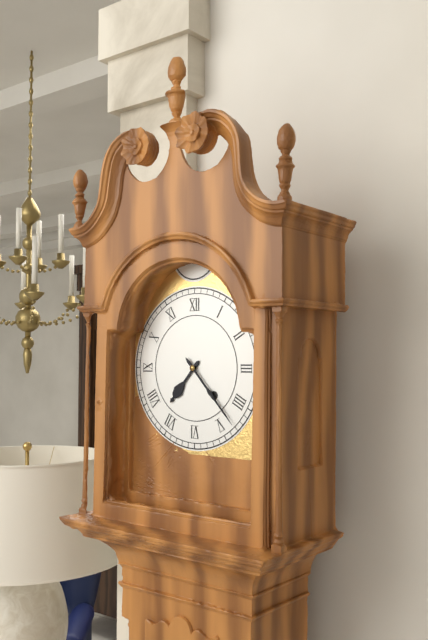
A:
**7:23**
